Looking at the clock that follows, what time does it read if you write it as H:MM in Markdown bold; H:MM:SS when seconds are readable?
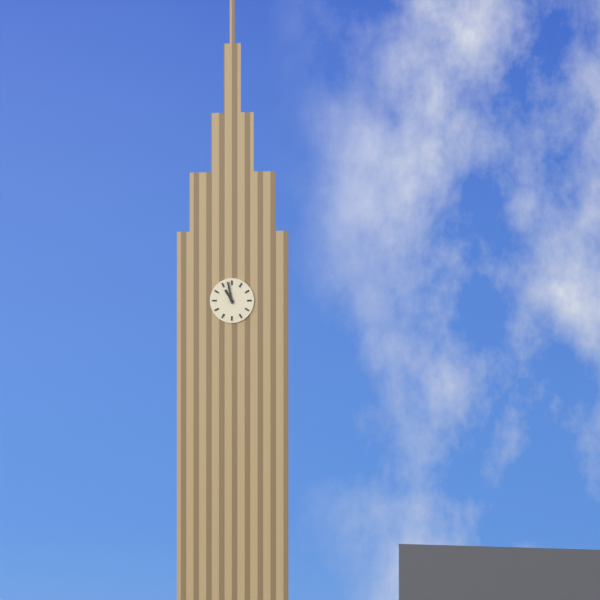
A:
**10:58**
